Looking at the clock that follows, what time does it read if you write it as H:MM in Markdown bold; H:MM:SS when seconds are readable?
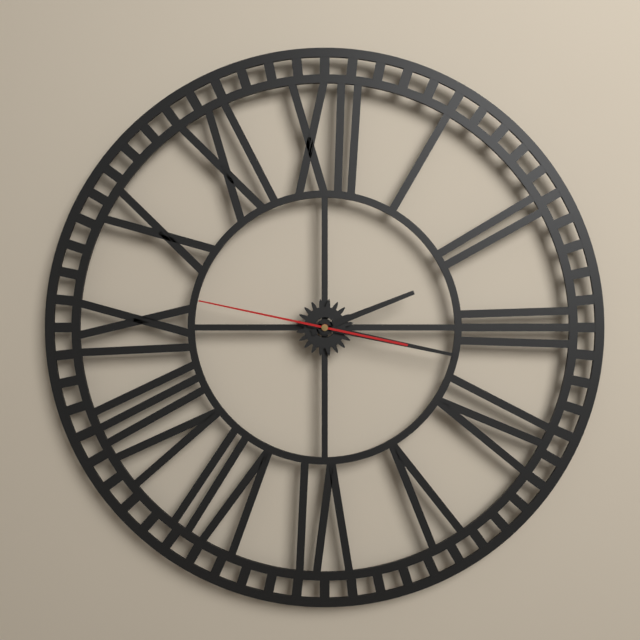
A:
**2:17:47**
